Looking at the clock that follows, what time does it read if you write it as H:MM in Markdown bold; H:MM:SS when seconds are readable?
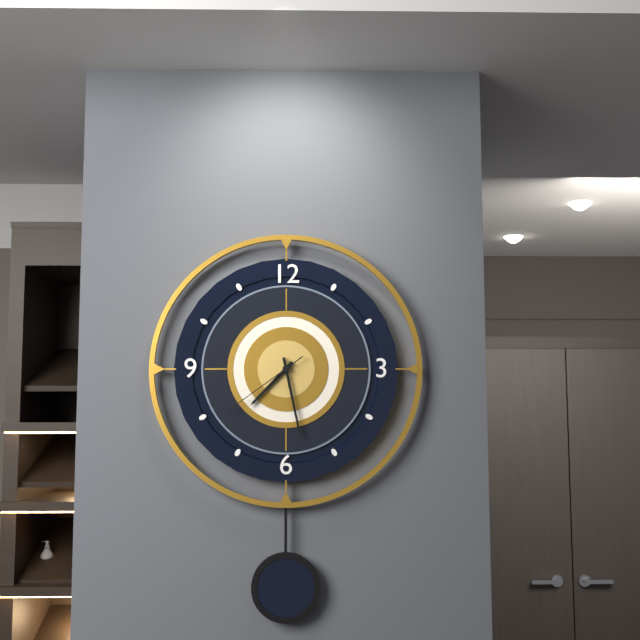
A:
**7:28:39**
